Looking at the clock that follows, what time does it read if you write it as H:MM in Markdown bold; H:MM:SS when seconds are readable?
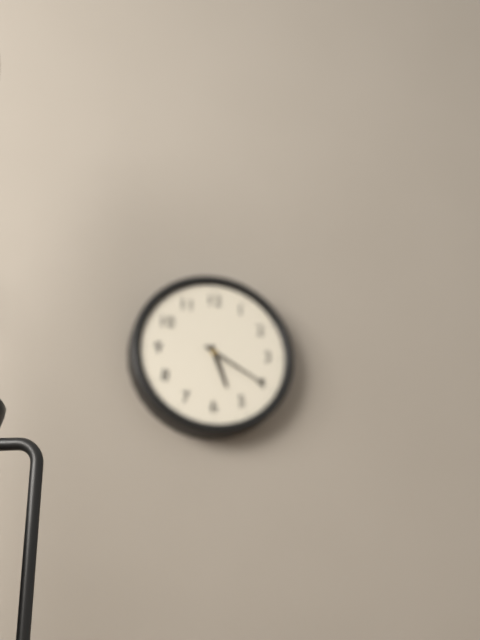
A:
**5:20**
